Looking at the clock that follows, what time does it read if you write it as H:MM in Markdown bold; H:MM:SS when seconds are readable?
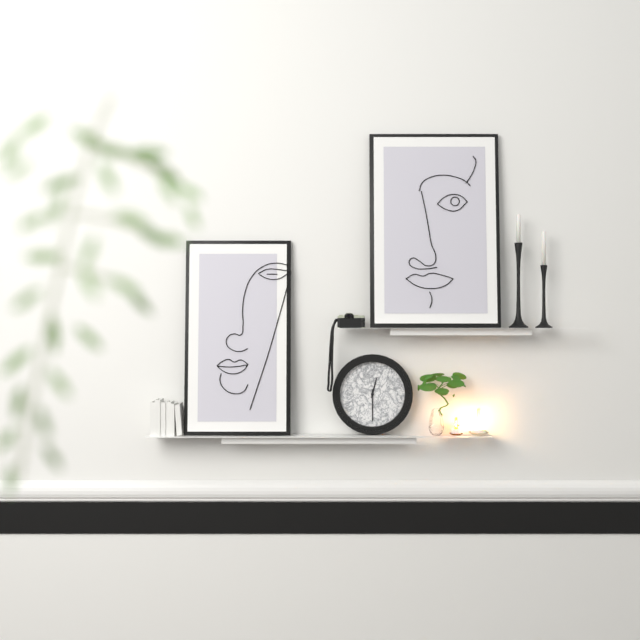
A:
**12:30**
